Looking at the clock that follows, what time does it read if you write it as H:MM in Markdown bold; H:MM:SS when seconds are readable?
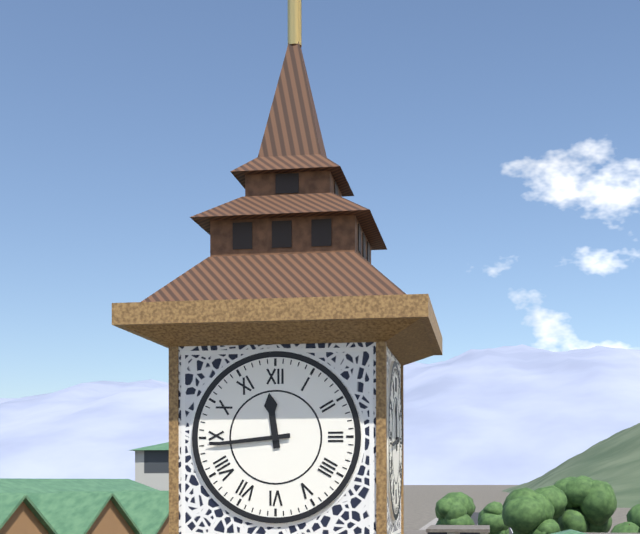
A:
**11:44**
